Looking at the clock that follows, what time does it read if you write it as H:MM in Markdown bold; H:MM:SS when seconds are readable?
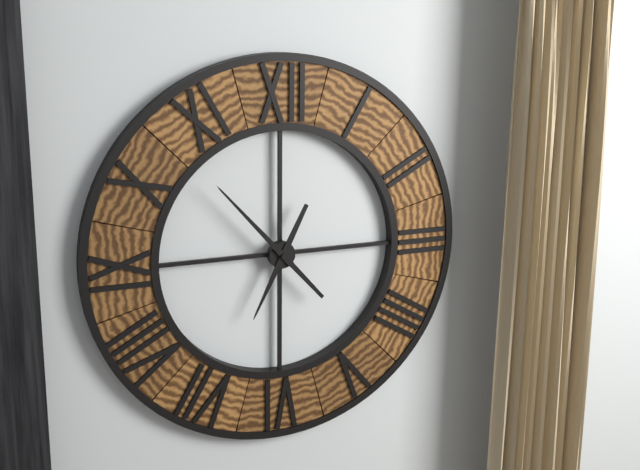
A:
**6:53**
